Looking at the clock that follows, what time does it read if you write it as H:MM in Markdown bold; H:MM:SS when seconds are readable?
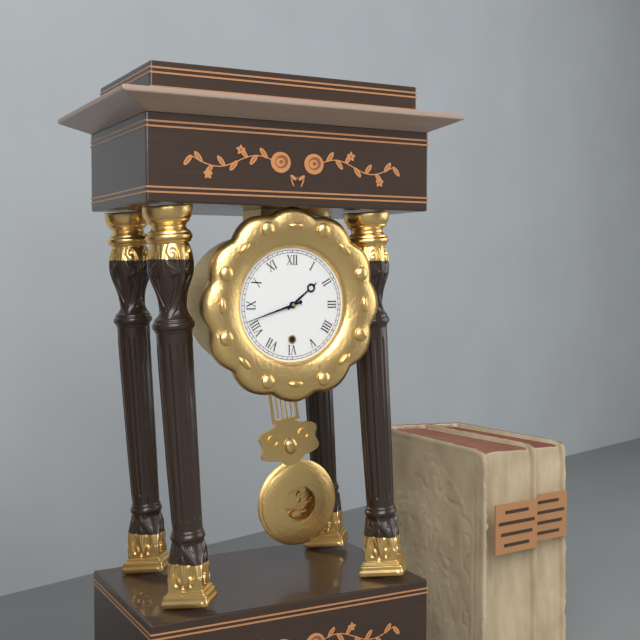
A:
**1:42**
